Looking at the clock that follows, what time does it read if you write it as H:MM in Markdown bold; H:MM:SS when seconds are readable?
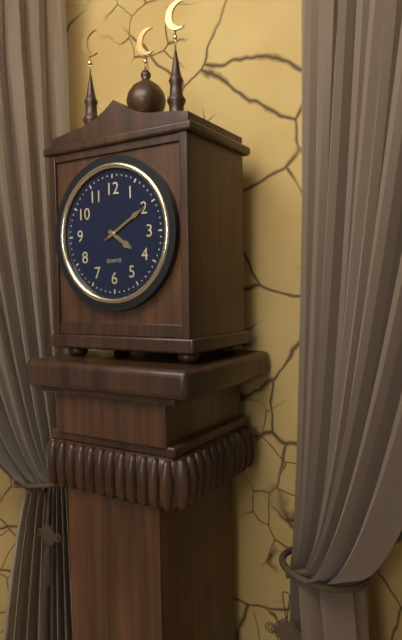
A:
**4:10:10**
